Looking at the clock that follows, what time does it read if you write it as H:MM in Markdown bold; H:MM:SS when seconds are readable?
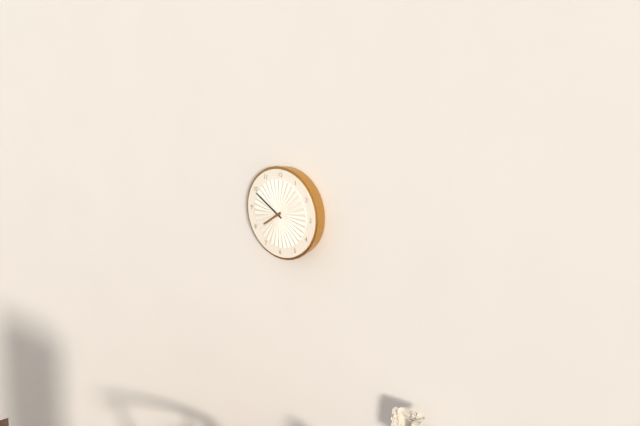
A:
**7:50**
